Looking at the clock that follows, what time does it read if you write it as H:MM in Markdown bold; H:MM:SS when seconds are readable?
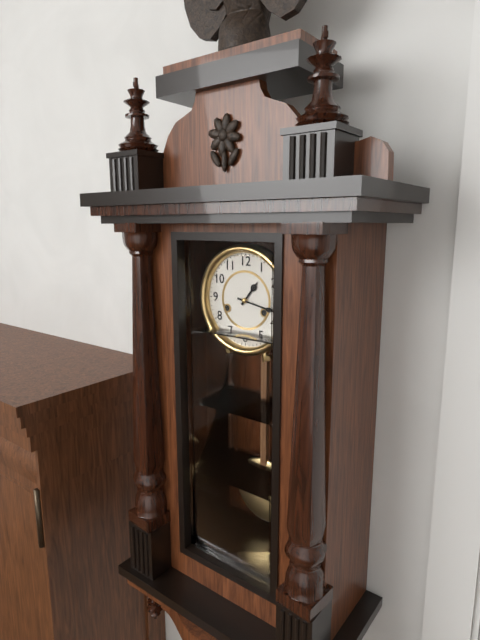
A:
**1:17**
